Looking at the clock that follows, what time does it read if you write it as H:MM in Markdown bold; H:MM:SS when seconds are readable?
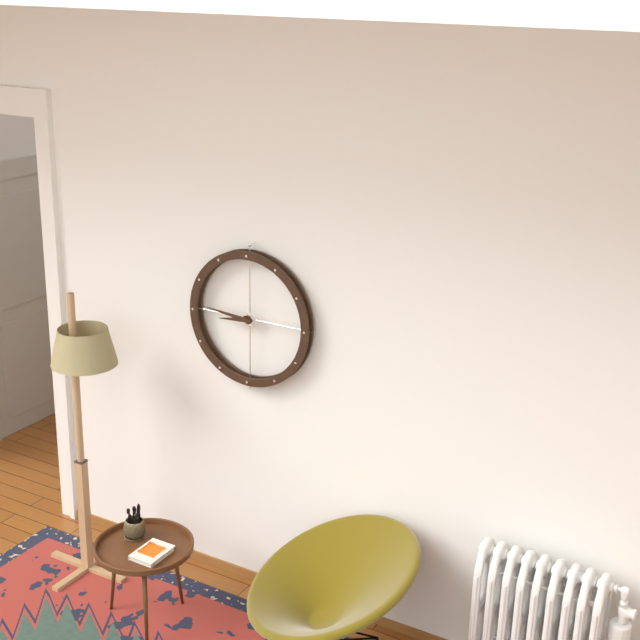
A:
**8:46**
